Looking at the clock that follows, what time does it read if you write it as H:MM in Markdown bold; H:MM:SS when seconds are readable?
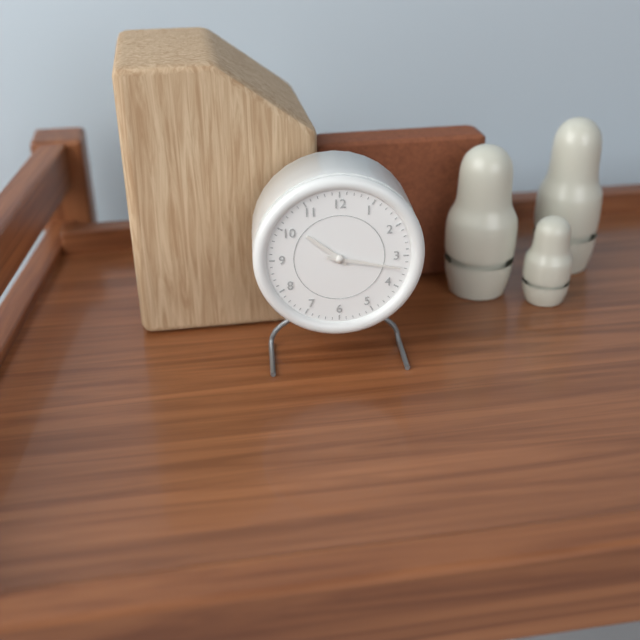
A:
**10:17**
